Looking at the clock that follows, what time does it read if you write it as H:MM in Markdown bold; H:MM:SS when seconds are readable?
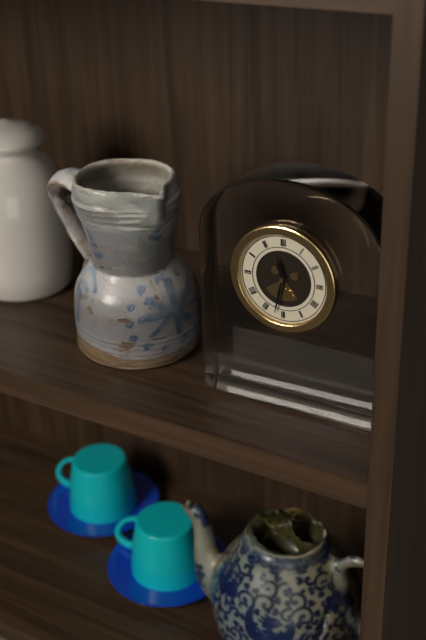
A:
**11:32**
